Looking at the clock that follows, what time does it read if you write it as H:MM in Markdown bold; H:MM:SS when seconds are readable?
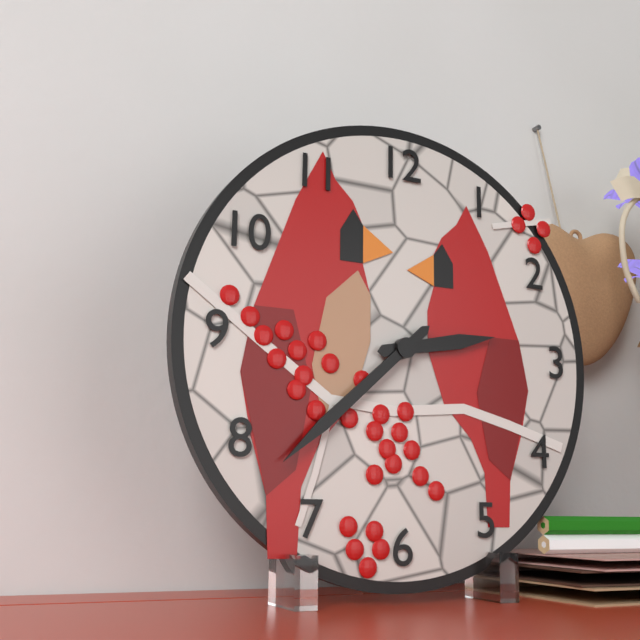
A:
**2:38**
